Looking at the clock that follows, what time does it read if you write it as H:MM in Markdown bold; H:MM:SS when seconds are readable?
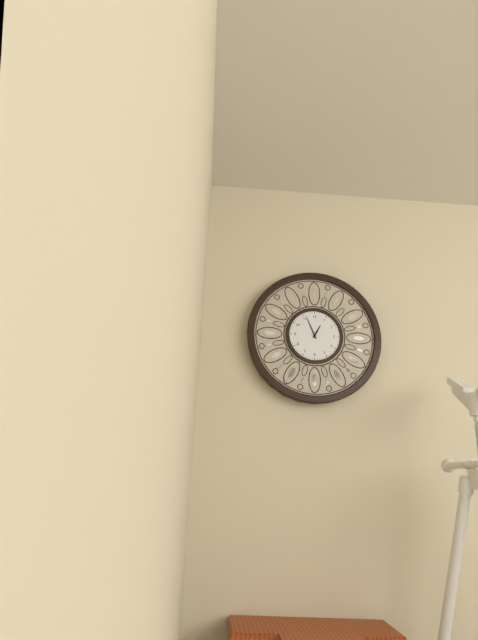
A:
**12:56**
